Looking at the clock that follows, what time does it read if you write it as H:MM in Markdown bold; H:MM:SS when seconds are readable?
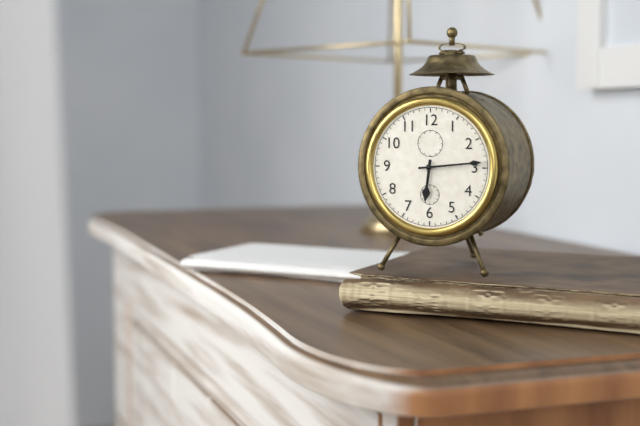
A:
**6:14**
